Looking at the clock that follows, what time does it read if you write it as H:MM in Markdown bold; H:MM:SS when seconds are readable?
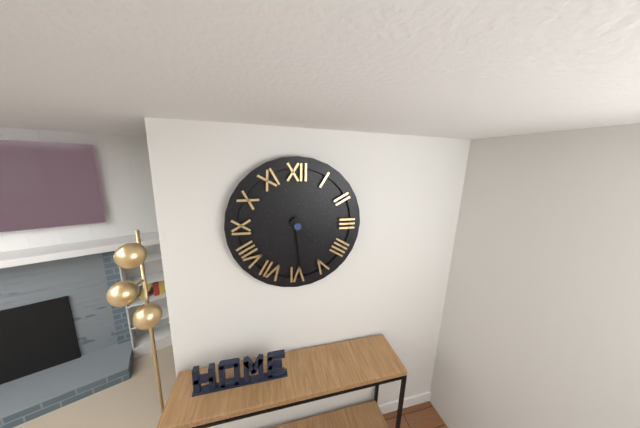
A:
**4:29**
